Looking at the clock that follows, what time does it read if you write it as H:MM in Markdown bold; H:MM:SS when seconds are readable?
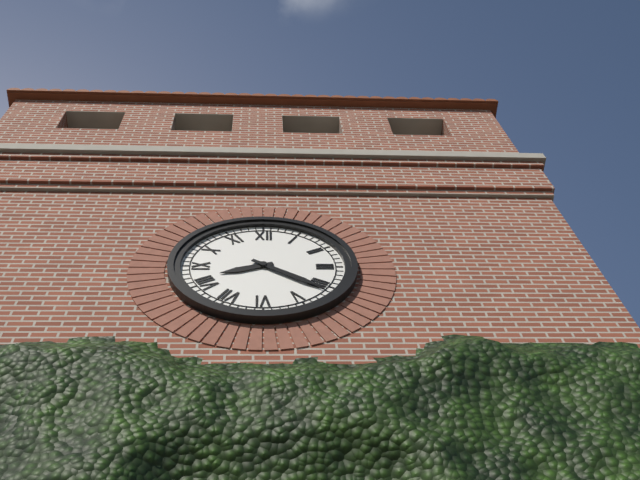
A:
**8:21**
